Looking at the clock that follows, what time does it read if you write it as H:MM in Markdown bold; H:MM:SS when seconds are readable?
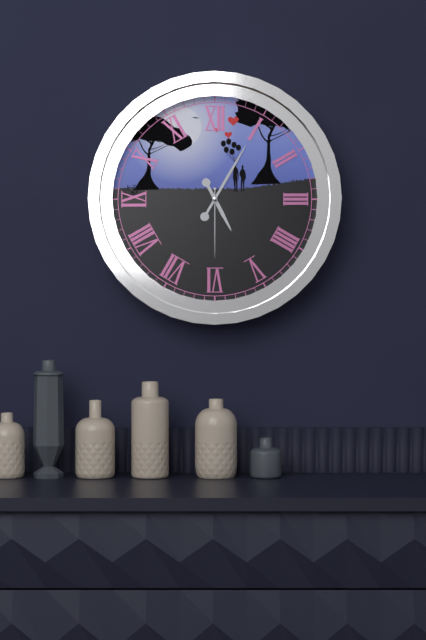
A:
**5:05:30**
